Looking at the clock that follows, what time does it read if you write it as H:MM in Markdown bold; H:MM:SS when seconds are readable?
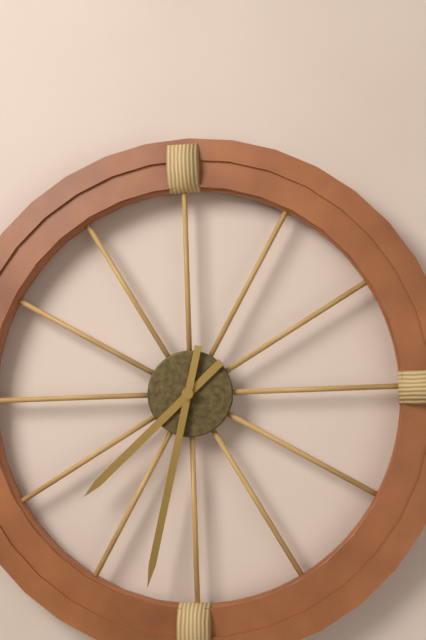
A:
**7:32**
